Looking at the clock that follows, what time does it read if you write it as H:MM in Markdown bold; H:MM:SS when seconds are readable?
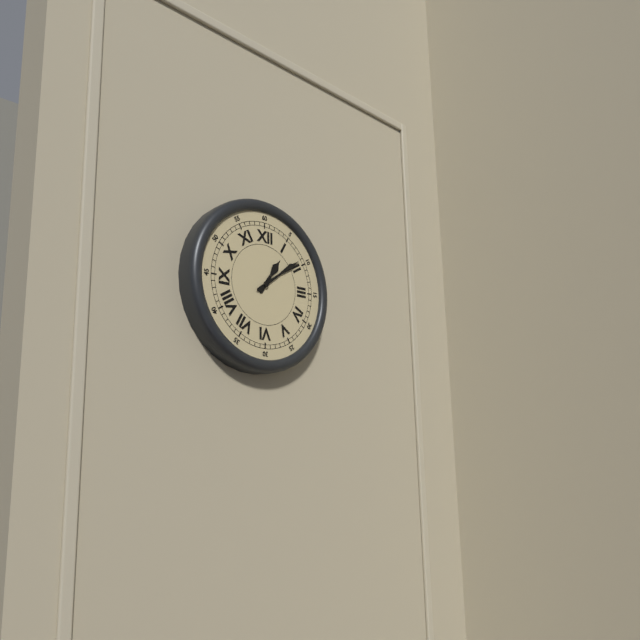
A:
**1:09**
